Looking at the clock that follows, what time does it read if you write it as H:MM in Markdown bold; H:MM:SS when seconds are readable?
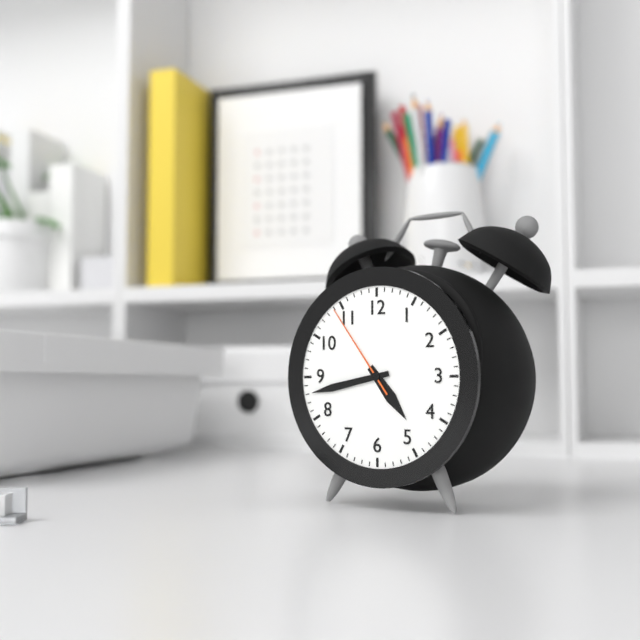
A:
**4:43:54**
